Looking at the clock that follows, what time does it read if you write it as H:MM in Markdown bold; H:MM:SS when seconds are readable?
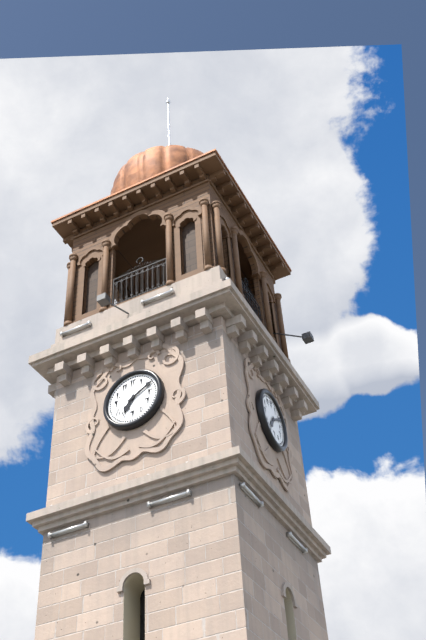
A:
**7:10**
